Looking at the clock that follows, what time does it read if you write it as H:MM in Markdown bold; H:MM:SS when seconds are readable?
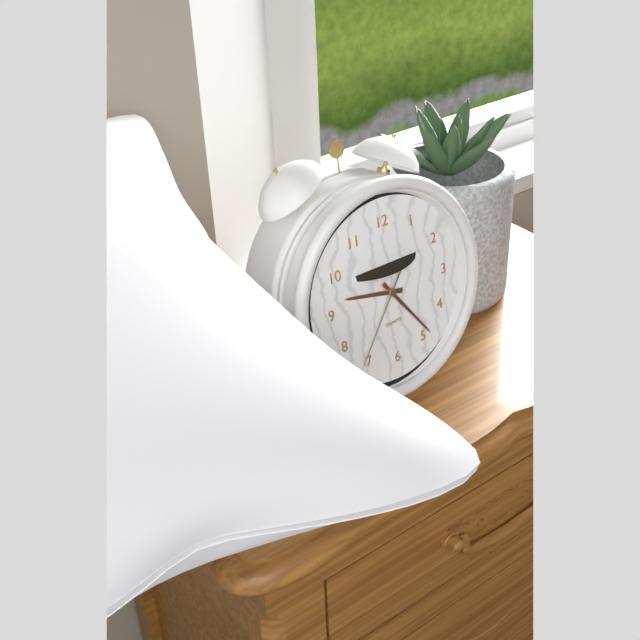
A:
**9:24:36**
